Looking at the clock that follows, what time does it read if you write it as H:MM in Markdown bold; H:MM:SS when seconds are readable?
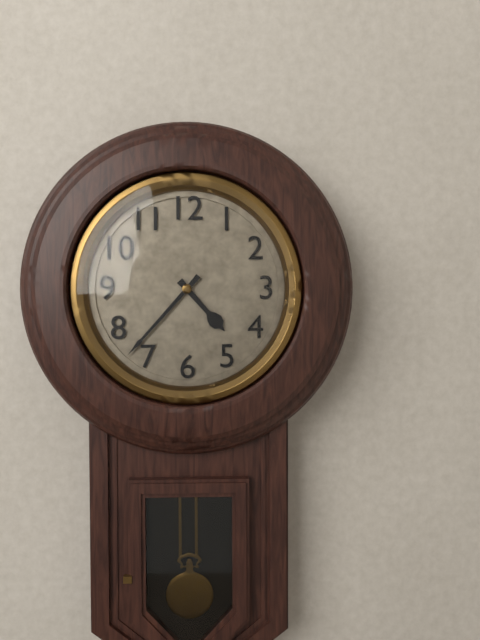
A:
**4:37**
